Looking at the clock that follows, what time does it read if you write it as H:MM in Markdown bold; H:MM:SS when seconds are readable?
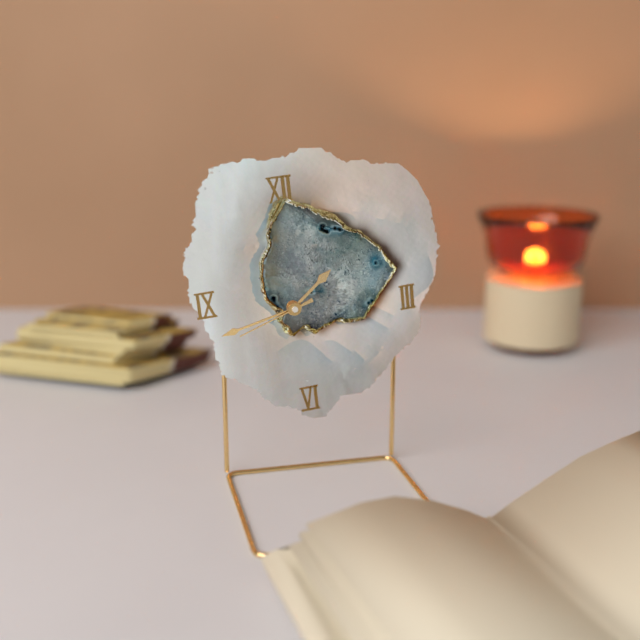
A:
**1:43:42**
